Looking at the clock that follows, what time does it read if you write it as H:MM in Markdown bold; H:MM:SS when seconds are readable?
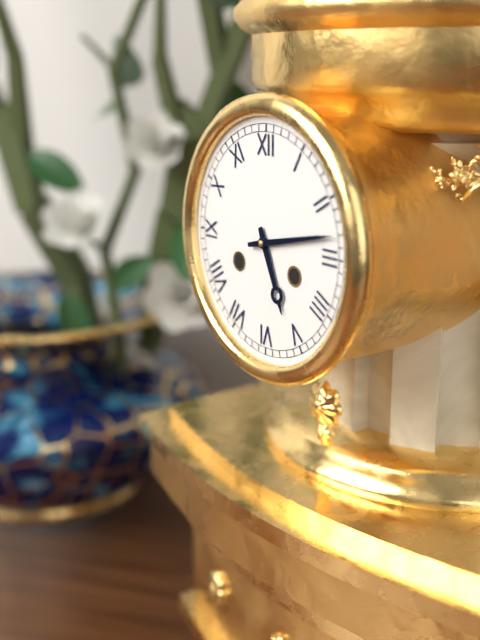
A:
**5:13**
